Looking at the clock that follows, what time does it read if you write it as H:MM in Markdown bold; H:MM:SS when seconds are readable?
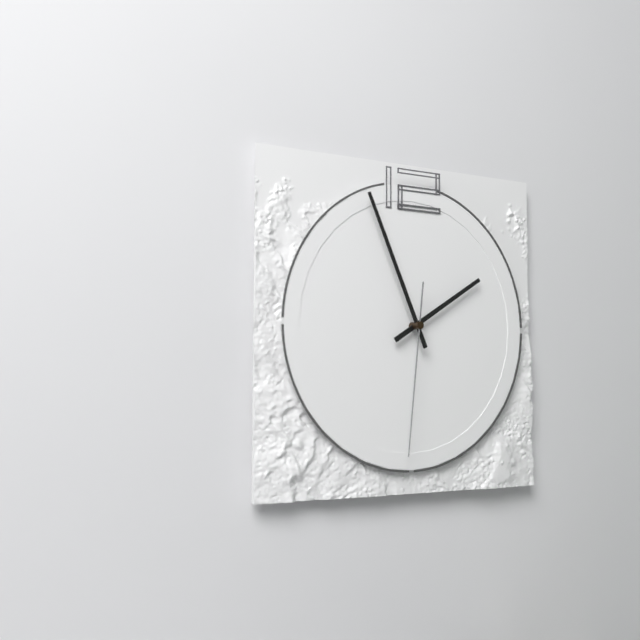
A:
**1:56:31**
